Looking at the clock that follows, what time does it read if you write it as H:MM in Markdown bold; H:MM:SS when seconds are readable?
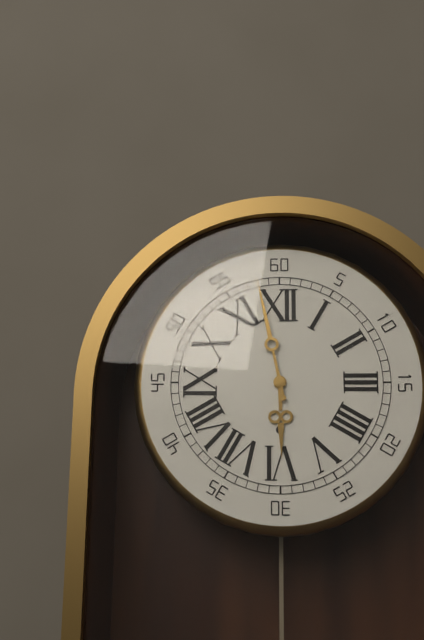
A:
**5:58**
